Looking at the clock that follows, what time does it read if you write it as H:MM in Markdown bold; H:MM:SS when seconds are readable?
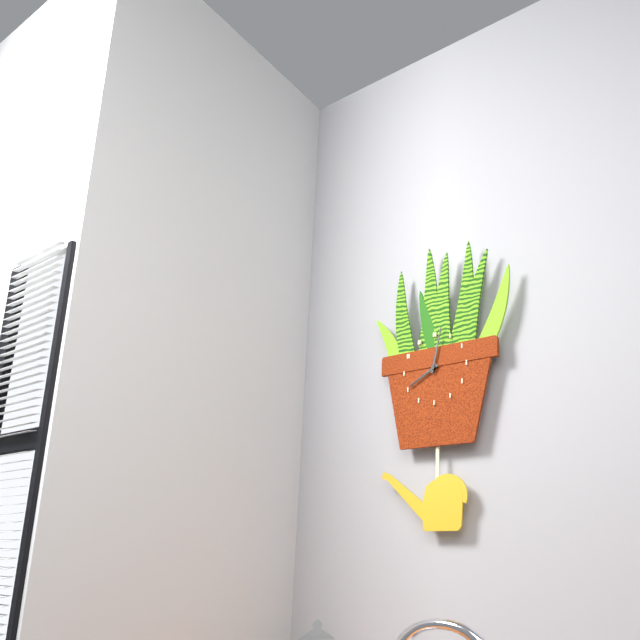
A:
**8:02**
